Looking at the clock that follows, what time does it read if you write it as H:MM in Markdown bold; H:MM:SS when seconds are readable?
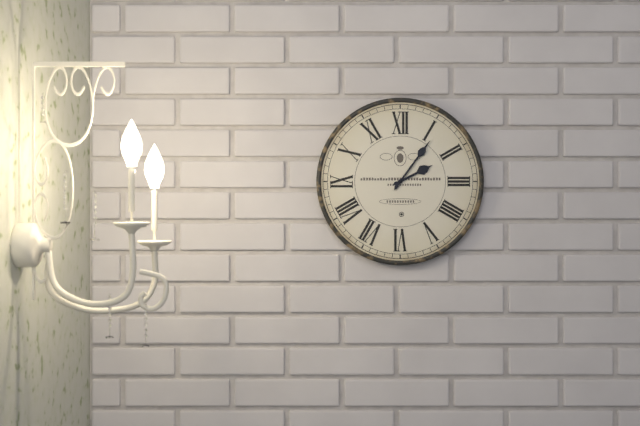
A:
**2:06**
